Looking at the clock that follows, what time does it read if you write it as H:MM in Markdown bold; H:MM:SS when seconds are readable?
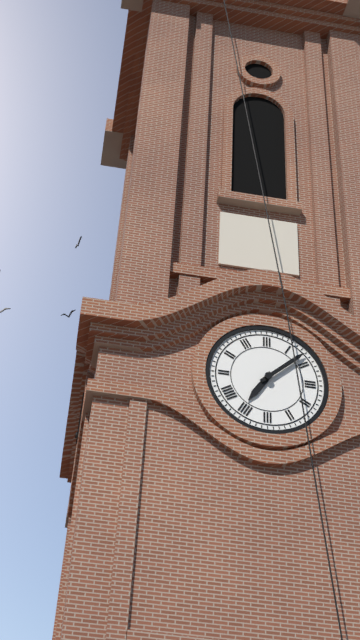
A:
**7:08**
